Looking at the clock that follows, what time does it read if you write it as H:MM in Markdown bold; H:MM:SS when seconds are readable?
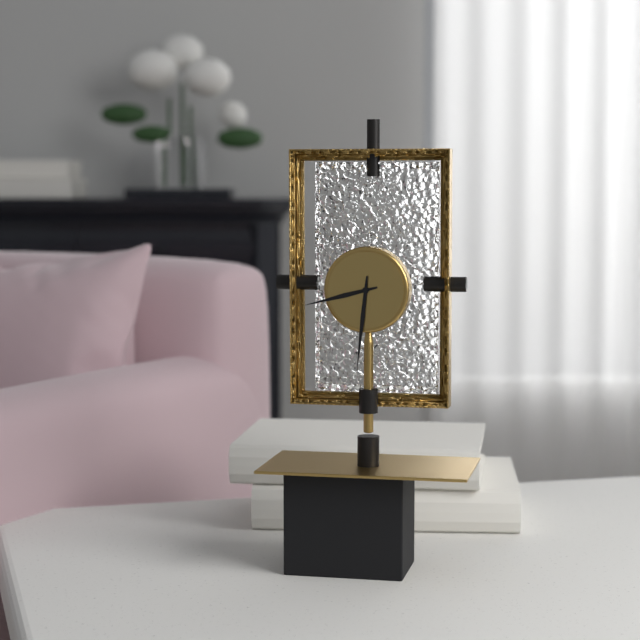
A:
**8:31**
